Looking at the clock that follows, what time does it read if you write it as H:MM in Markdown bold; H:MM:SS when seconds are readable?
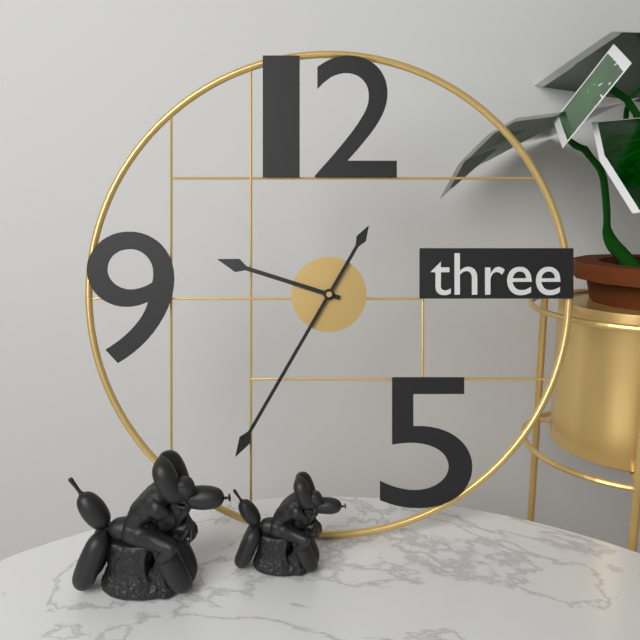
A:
**9:35**
